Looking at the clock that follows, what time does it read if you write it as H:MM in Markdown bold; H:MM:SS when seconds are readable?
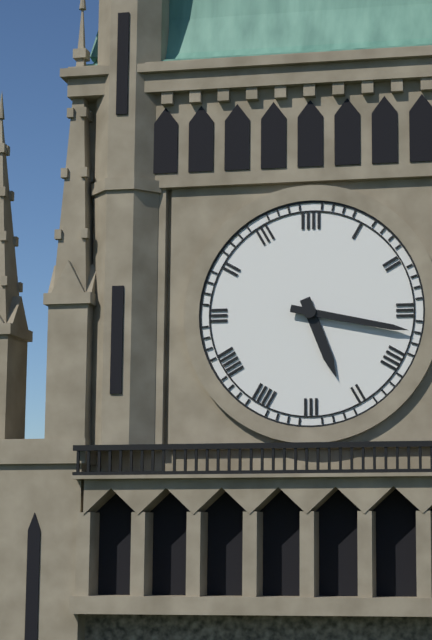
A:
**5:17**
